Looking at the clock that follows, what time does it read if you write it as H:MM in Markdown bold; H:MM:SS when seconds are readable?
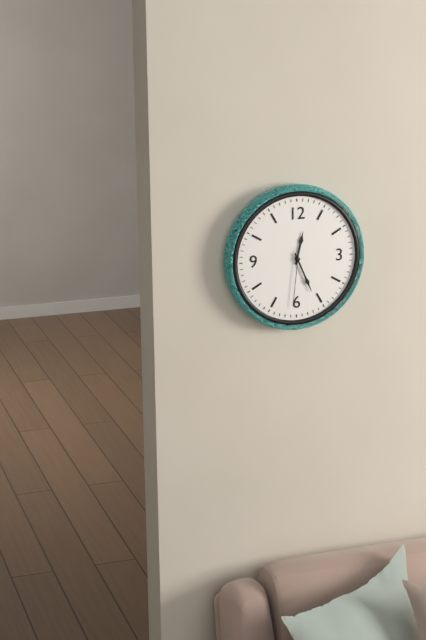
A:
**12:26:31**
